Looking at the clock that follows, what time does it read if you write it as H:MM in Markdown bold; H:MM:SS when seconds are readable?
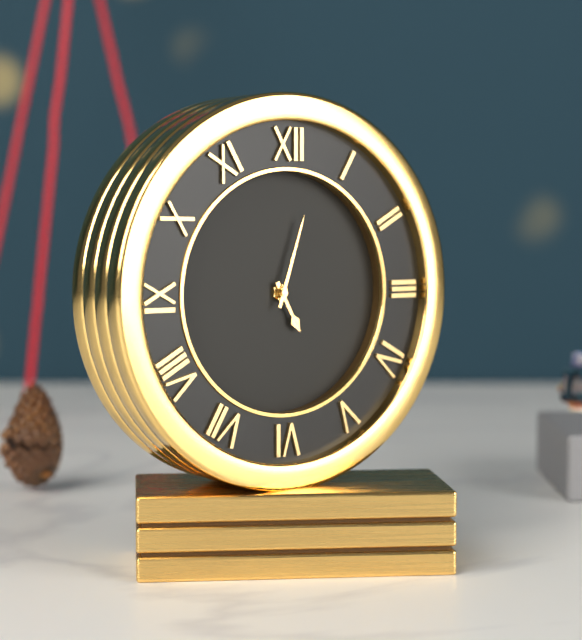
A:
**5:03**
